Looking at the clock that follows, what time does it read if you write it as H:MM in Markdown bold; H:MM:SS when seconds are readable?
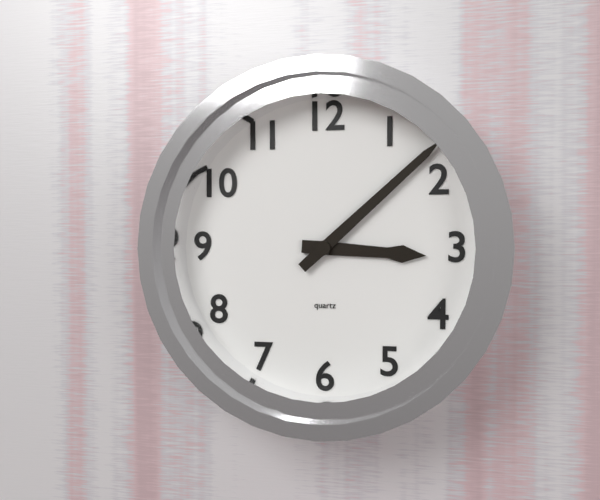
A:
**3:08**
